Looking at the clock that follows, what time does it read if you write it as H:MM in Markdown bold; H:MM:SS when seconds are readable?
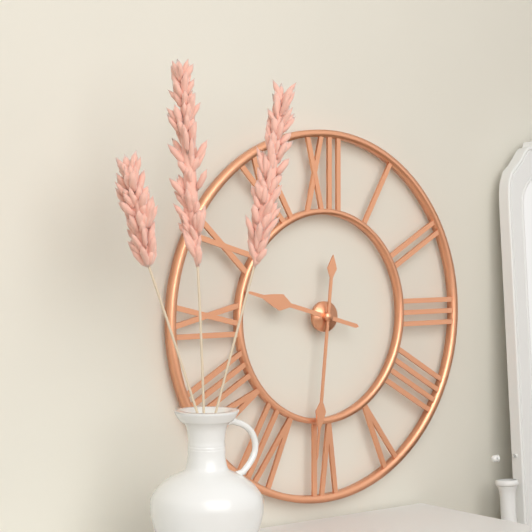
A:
**9:31**
